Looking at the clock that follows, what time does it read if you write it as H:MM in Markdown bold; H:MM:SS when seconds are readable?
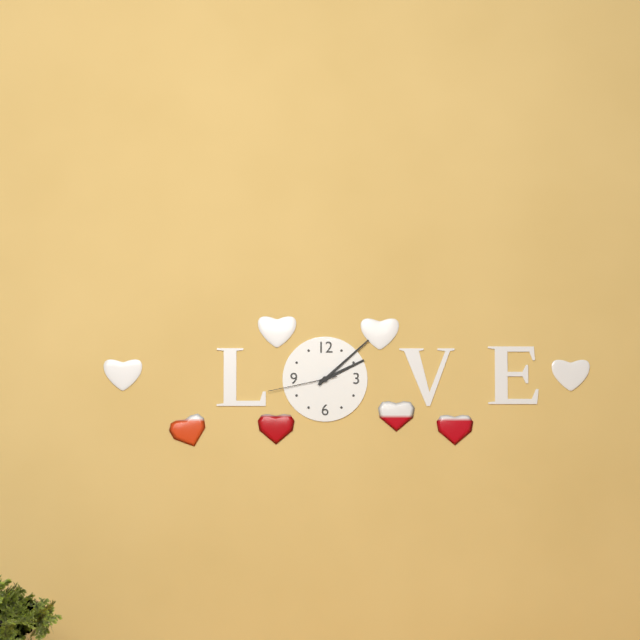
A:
**2:08:43**
